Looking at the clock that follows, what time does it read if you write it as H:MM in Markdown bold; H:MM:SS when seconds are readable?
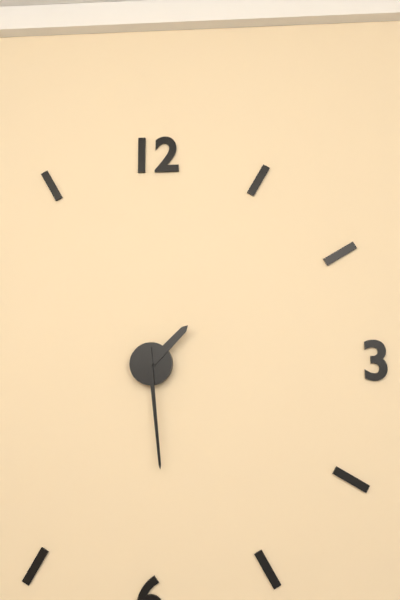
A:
**1:29**
